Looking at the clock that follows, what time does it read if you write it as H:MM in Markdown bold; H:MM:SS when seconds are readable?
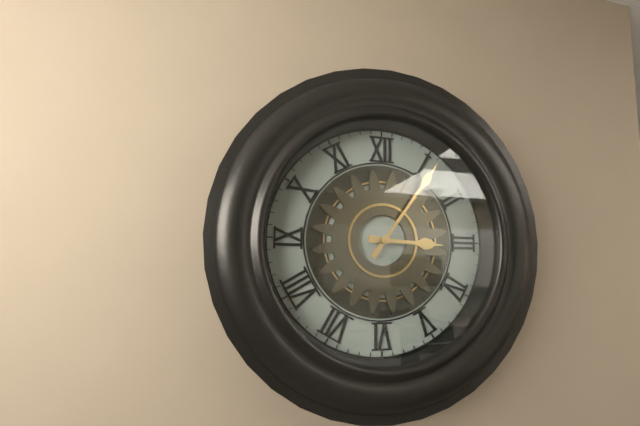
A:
**3:06**
